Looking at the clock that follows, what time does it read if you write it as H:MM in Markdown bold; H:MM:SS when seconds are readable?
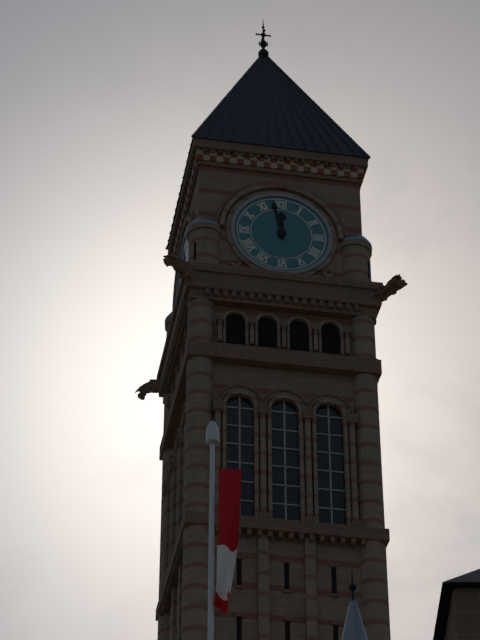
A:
**11:58**
